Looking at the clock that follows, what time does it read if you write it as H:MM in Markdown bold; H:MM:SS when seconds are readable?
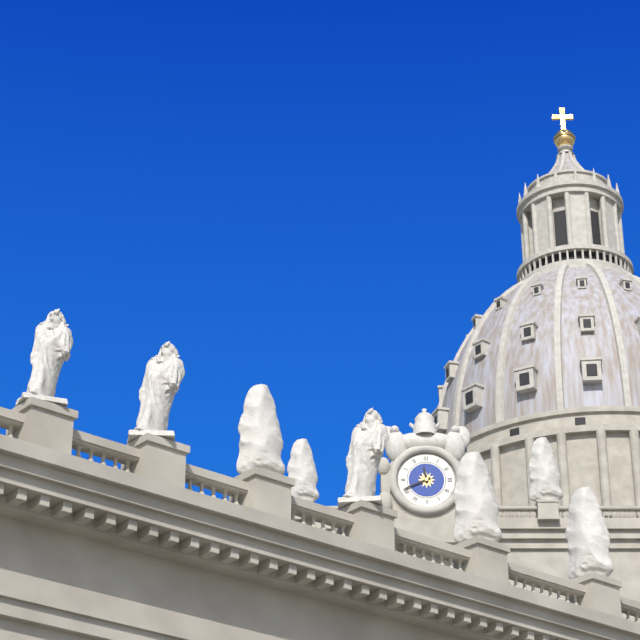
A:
**11:41**
